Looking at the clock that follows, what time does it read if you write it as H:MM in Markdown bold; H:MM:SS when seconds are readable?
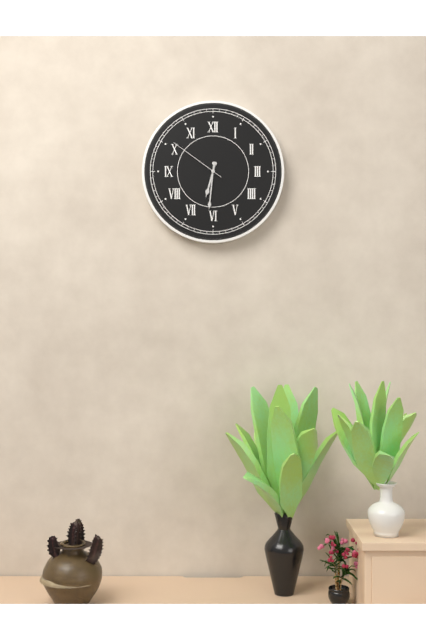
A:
**6:31:51**
